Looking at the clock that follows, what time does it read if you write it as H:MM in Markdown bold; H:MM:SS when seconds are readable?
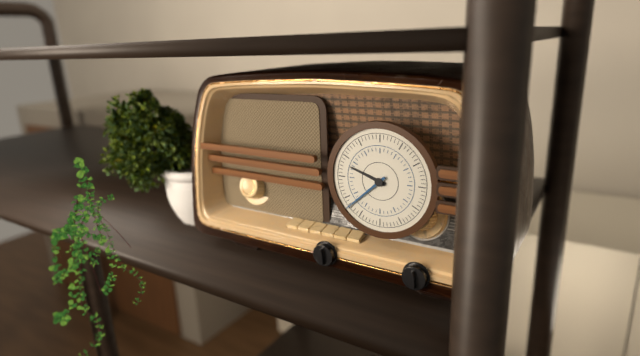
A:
**9:38**
